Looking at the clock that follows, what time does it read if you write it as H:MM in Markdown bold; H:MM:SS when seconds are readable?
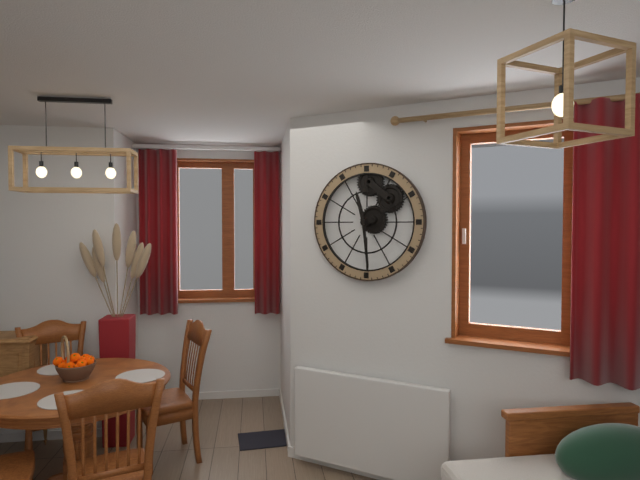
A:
**11:29**
